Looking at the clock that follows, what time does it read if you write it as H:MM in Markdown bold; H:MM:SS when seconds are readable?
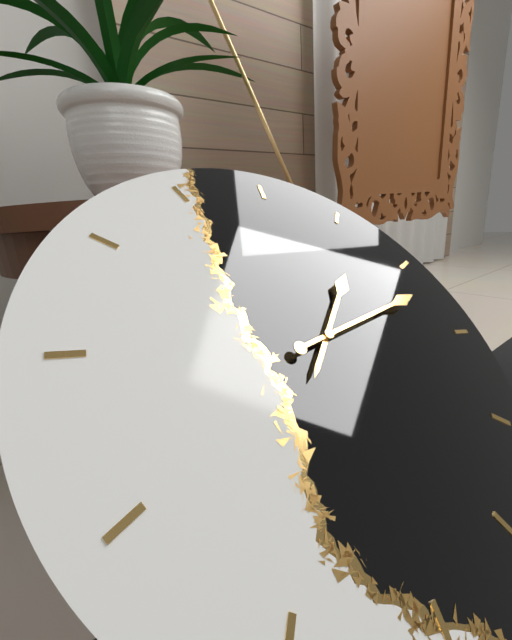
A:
**2:17**
